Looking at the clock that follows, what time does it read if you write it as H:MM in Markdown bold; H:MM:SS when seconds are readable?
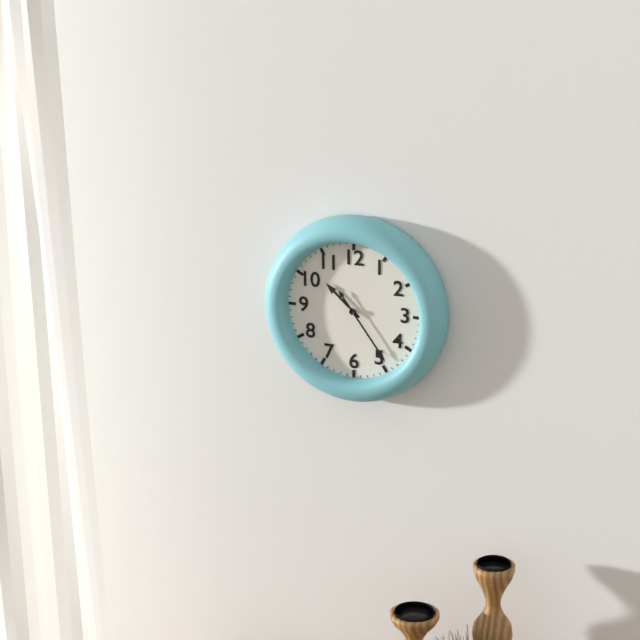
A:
**10:24**
